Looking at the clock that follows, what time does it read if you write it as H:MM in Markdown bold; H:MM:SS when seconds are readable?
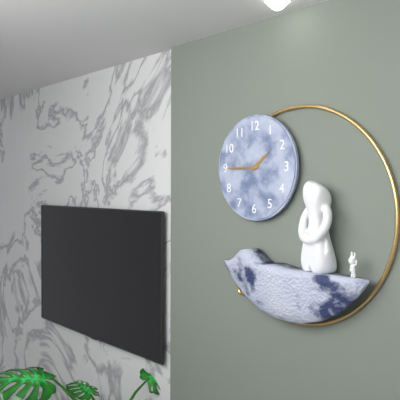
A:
**1:45**
